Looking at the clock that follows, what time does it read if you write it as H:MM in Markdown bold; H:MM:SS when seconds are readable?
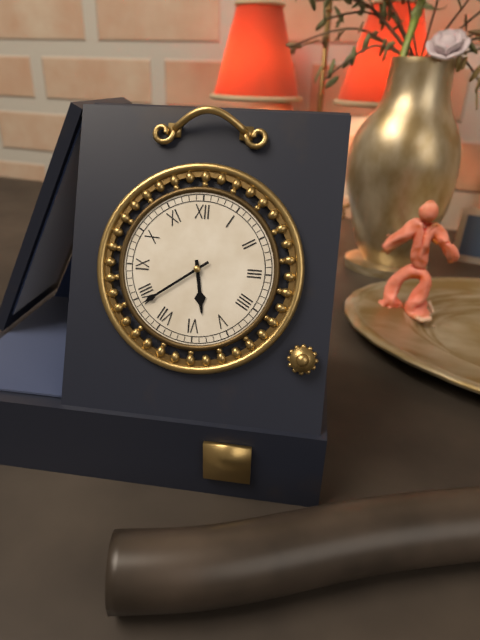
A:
**5:39**
